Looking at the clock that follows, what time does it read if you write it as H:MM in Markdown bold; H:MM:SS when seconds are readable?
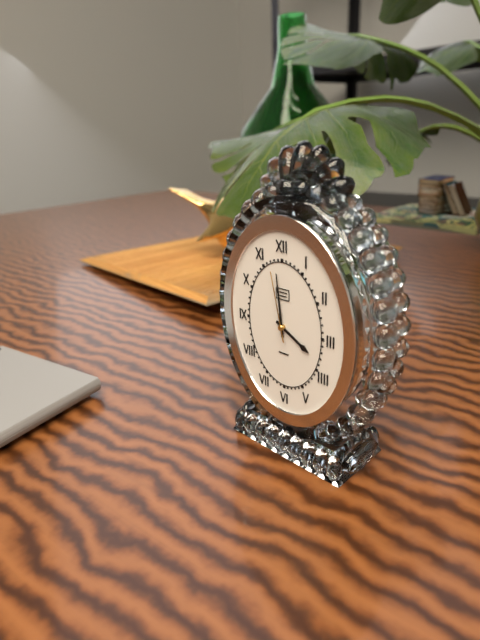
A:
**3:59:58**
